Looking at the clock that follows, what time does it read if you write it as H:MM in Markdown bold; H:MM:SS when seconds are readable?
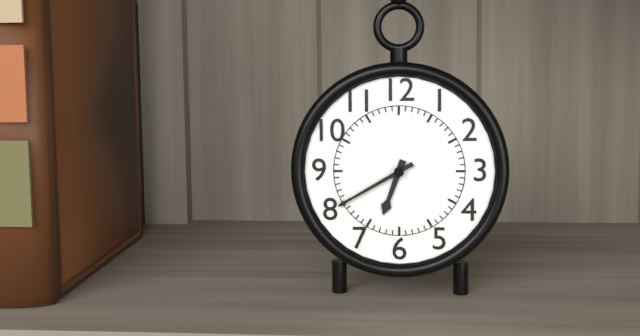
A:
**6:40**
